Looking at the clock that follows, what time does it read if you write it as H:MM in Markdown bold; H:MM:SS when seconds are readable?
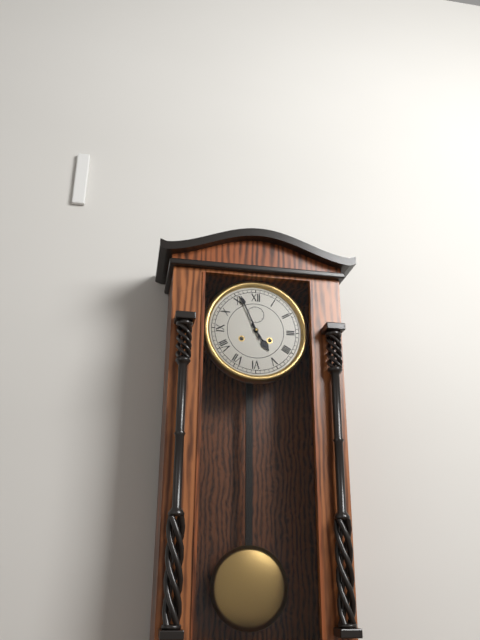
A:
**4:56**
